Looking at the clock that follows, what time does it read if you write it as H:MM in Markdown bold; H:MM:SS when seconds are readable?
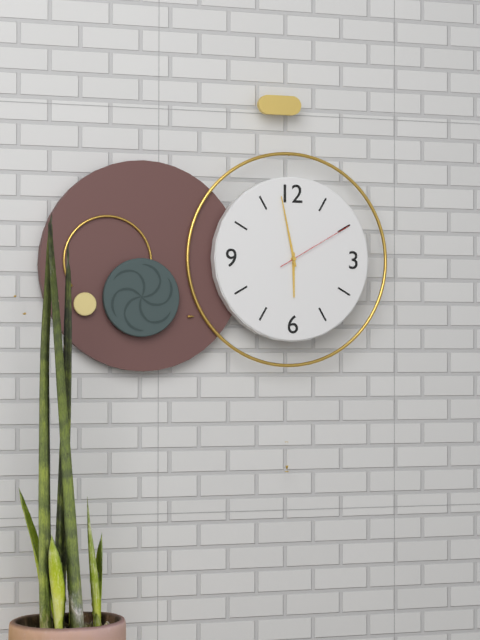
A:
**5:58:10**
